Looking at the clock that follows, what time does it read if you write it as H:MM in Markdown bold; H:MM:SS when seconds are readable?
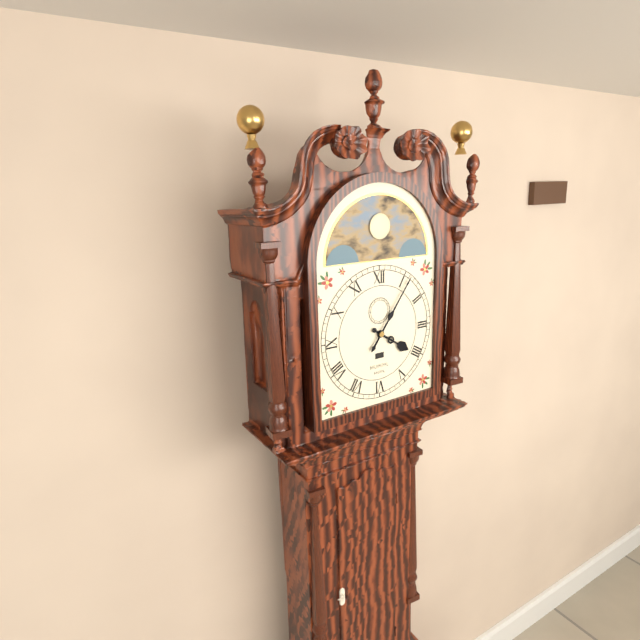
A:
**4:06**
